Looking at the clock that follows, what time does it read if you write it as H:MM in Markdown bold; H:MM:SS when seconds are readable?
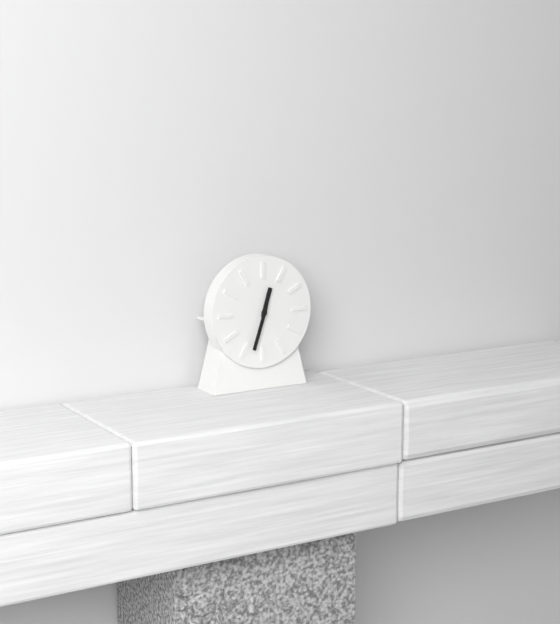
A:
**12:33**
